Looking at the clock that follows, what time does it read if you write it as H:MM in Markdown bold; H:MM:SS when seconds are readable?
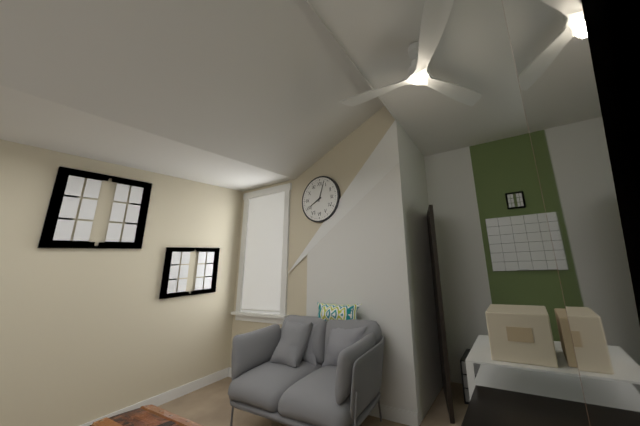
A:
**8:03**
